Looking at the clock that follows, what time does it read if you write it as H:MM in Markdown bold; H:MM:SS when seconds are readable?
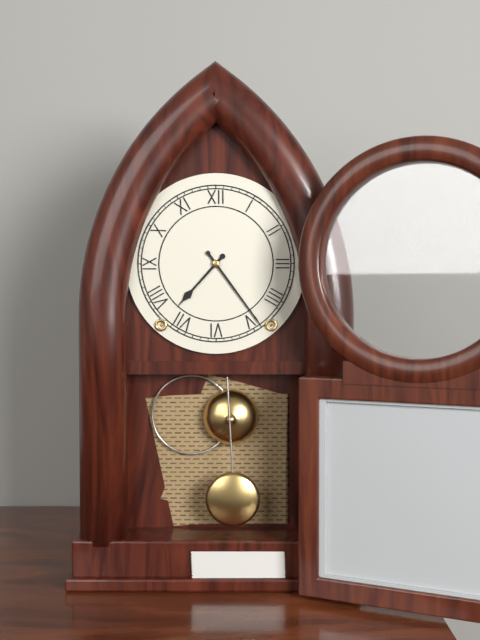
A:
**7:24**
